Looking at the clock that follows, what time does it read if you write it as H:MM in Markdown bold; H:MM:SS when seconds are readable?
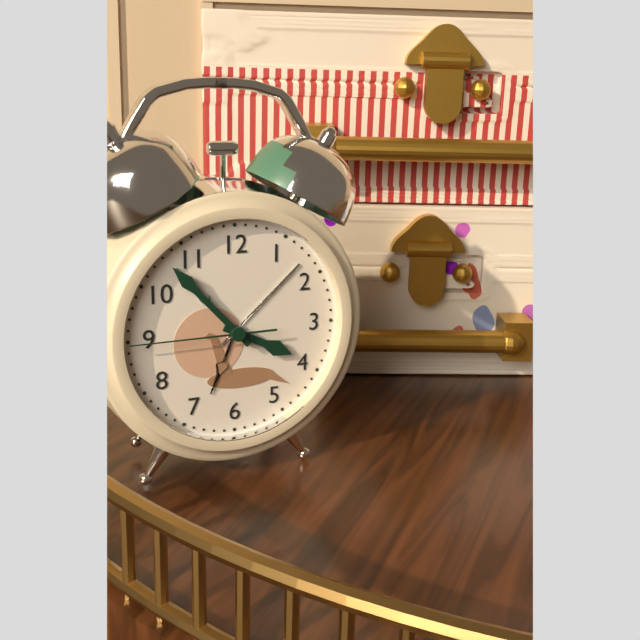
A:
**3:53:45**
